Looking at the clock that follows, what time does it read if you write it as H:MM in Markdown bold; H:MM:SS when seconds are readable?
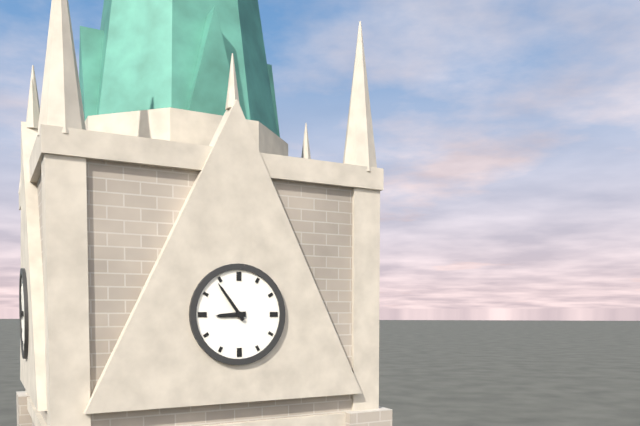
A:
**8:54**
